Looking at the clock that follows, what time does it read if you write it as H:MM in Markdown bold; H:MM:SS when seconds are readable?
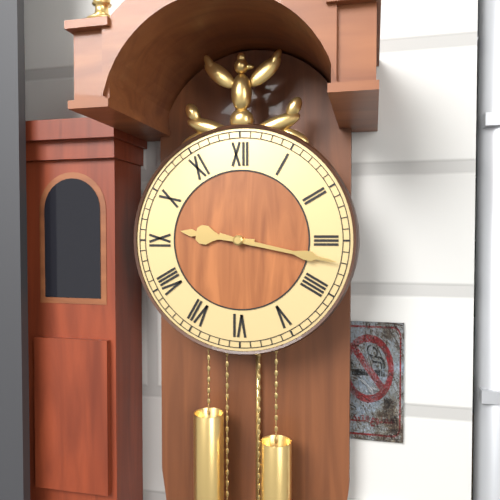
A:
**9:17**
